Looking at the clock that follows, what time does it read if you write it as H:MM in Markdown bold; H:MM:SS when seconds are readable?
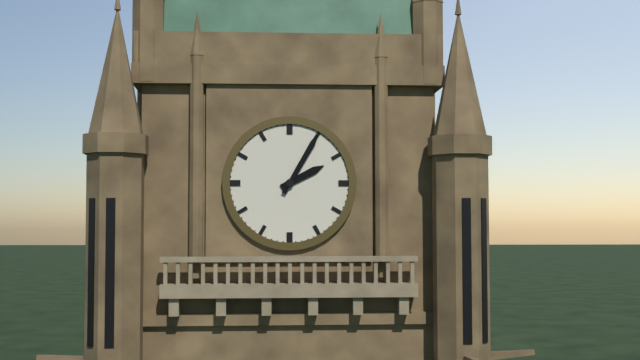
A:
**2:05**
